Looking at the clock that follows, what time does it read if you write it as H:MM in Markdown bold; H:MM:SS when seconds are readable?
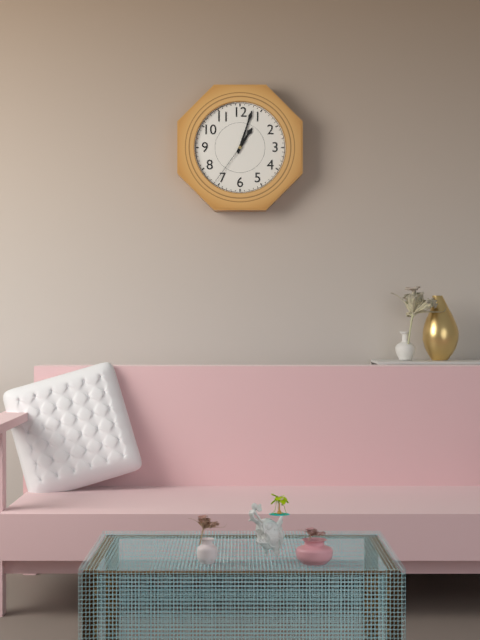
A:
**1:03:36**
